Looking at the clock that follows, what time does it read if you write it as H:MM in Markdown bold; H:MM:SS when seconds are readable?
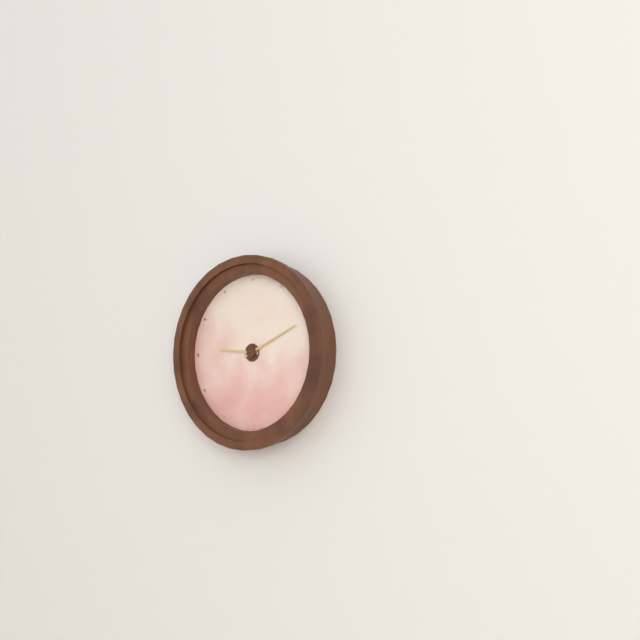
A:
**9:11**
